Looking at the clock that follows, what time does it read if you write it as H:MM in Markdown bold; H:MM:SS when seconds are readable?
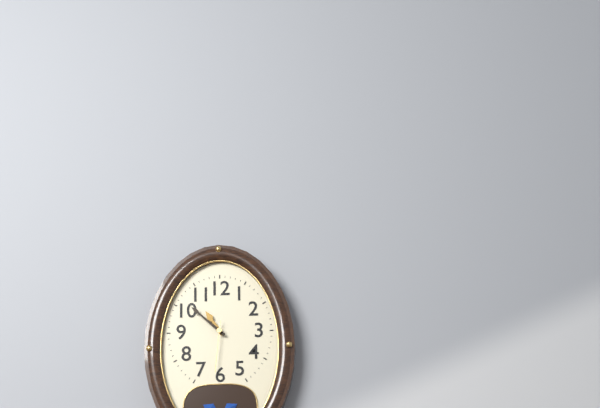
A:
**10:52:31**
